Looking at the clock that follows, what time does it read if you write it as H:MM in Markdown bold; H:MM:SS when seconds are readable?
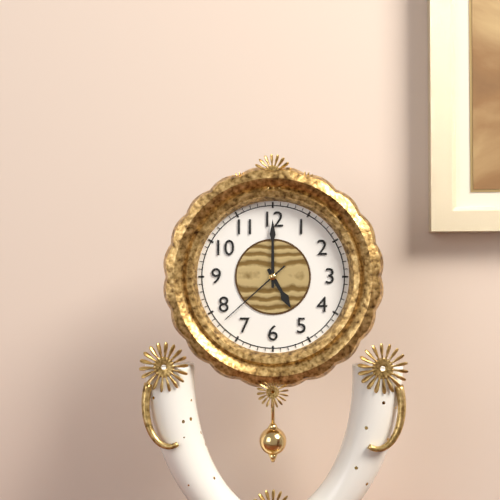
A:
**5:00:38**
